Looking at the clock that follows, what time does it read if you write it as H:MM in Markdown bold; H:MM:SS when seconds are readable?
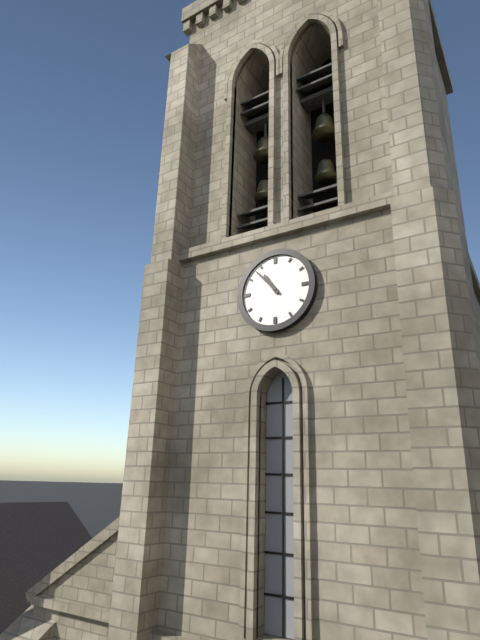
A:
**10:53**
